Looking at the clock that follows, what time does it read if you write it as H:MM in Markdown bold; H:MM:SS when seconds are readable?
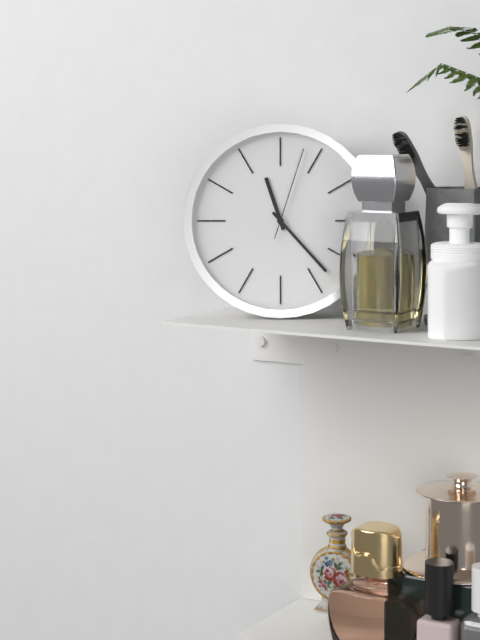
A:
**11:23:03**
